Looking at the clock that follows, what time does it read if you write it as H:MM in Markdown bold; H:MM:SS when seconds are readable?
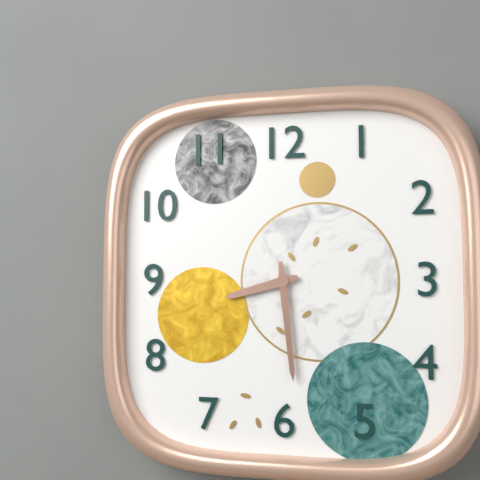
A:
**8:29**
